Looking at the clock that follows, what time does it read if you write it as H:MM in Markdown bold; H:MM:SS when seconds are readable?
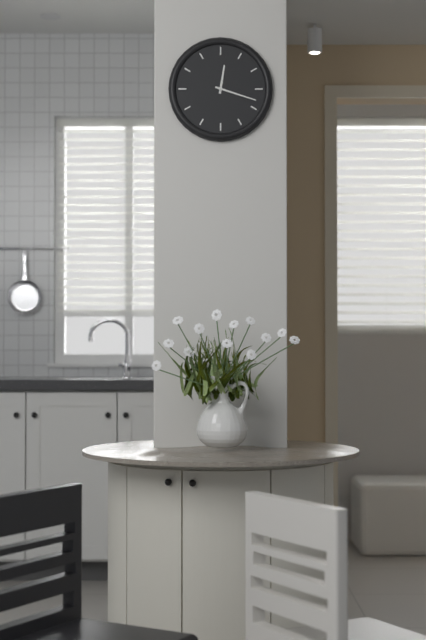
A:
**12:18**
